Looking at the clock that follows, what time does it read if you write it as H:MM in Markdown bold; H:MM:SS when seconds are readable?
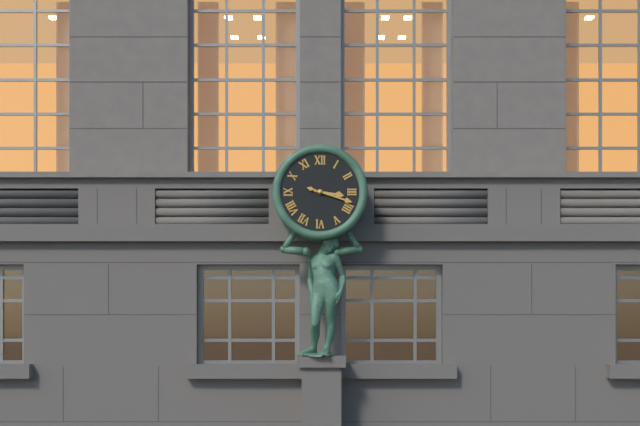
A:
**3:18**
